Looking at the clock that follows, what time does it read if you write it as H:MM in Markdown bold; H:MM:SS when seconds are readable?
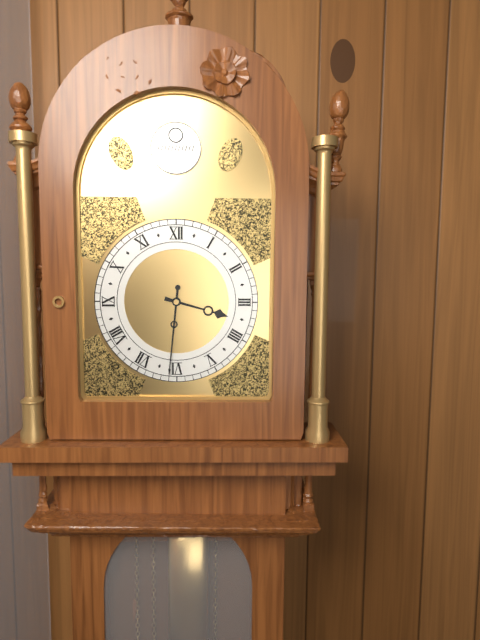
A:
**3:31**
